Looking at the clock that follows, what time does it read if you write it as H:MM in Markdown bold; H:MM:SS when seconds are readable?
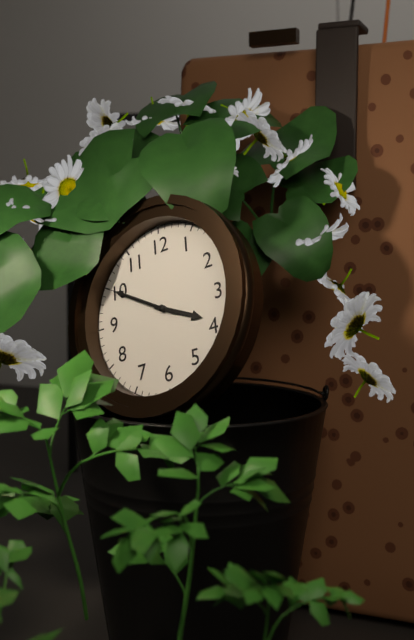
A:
**3:50:50**
